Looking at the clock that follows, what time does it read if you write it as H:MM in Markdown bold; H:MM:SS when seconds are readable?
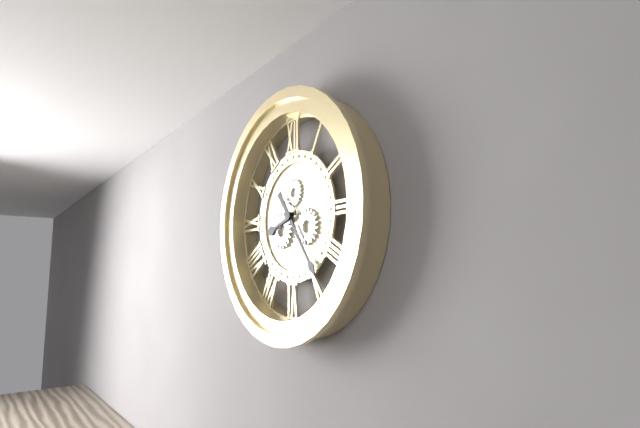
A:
**8:24**
